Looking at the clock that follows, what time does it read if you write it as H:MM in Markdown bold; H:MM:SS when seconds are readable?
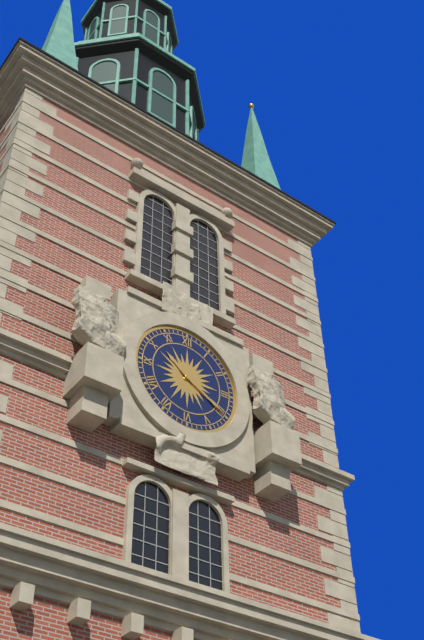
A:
**10:20**
